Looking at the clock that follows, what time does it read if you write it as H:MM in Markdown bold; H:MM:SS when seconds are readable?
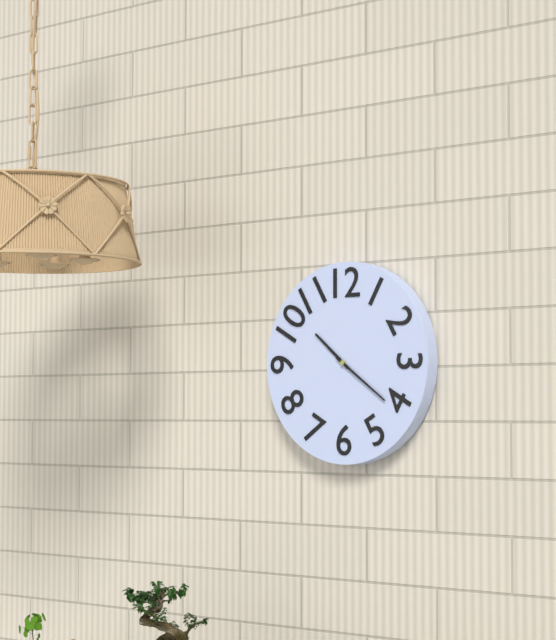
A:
**10:21**
